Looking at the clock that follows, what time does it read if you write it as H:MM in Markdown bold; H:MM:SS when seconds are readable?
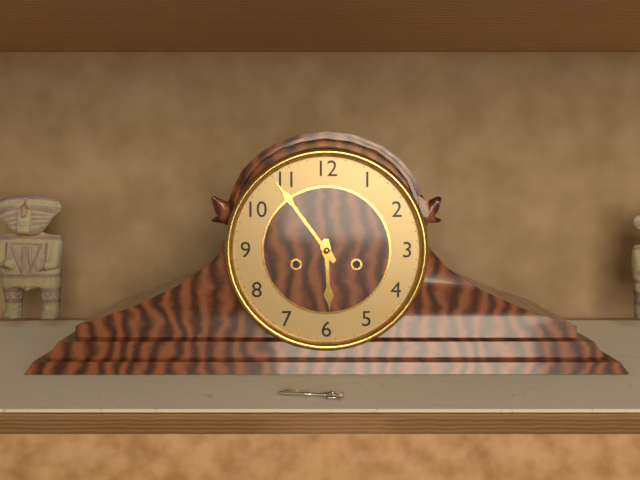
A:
**5:54**
